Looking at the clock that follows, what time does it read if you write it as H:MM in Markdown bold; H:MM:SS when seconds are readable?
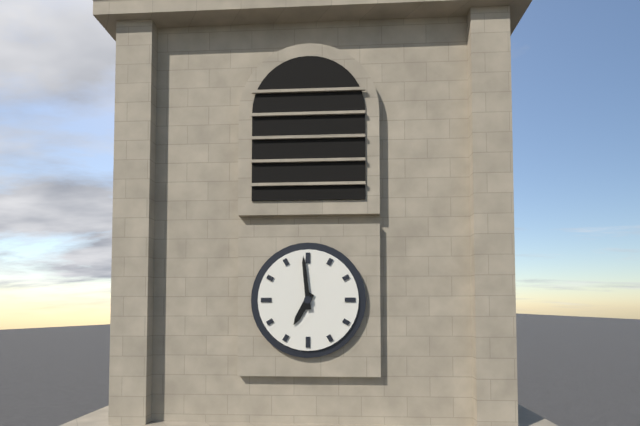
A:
**6:59**
